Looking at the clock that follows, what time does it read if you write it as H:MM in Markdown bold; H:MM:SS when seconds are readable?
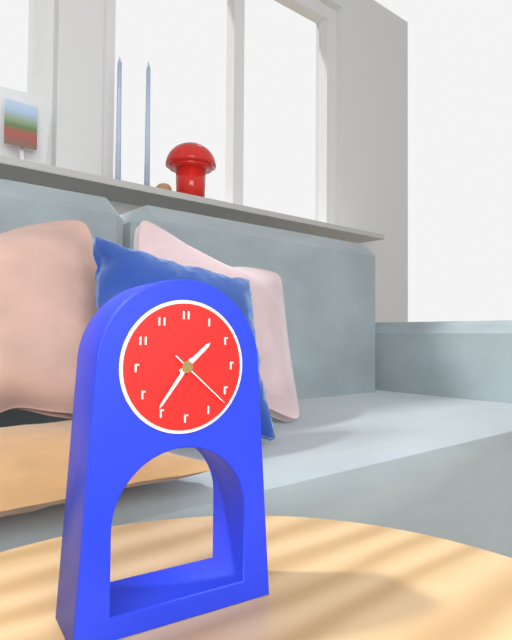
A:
**1:36:22**
